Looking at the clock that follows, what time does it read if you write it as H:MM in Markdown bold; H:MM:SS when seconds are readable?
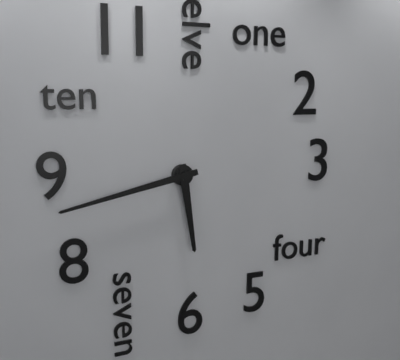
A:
**5:43**
